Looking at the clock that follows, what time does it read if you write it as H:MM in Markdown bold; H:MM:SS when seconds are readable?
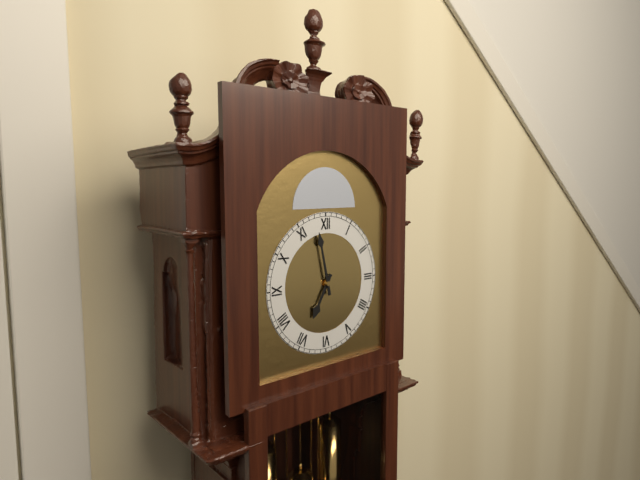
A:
**6:58**
